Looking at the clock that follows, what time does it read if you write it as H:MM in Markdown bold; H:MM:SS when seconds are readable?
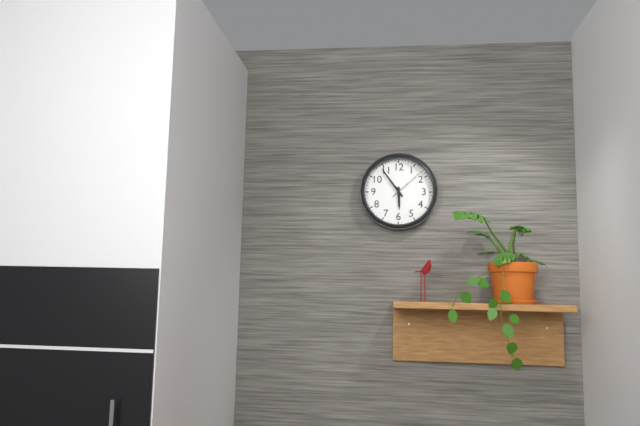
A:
**5:54**
